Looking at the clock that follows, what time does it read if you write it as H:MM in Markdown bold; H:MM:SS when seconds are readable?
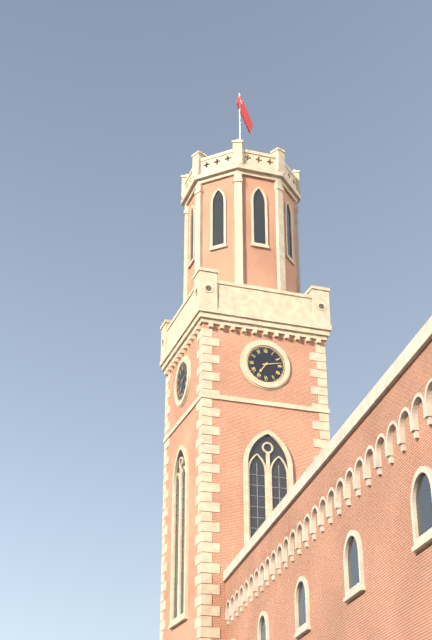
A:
**7:13**
